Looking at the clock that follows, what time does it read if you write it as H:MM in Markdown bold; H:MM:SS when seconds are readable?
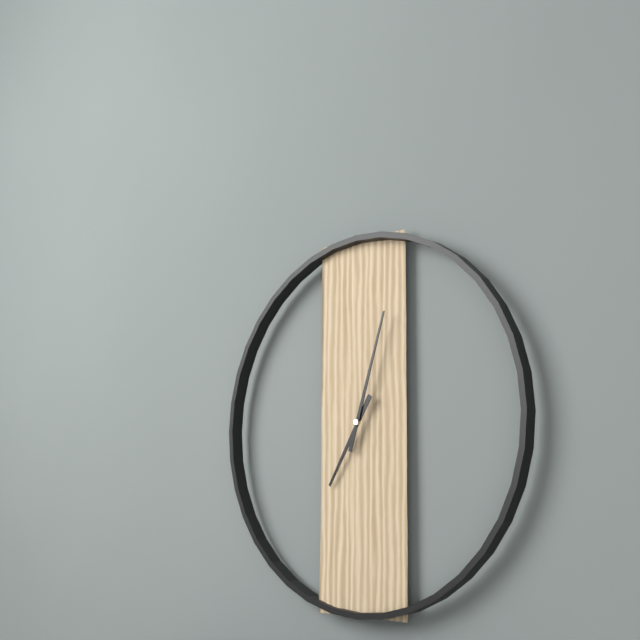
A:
**7:03**
